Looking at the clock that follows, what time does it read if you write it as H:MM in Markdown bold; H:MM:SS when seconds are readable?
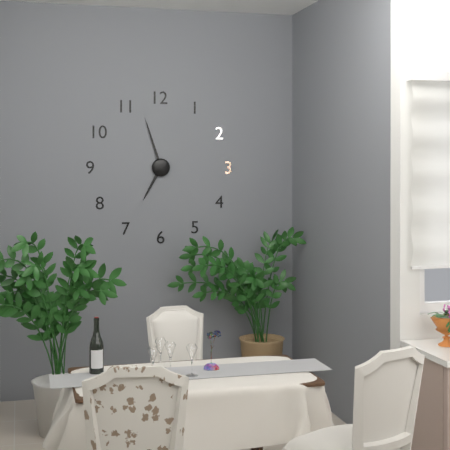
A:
**6:57**
